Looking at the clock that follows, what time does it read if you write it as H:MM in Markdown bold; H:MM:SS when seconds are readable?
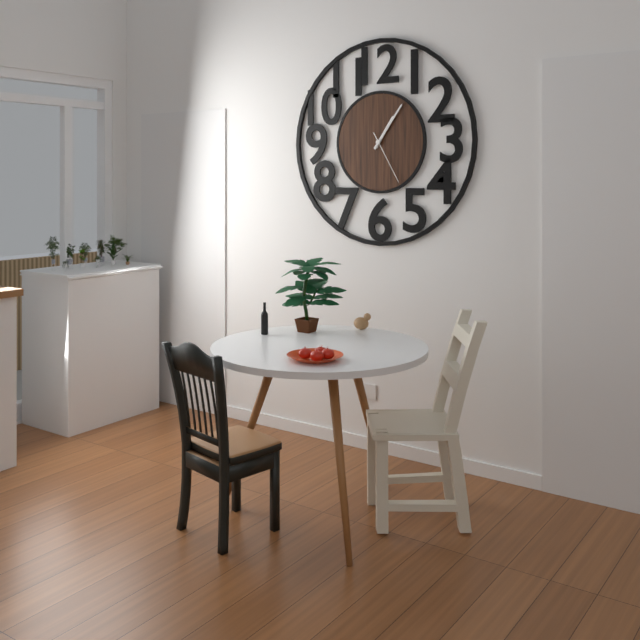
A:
**1:06:25**
